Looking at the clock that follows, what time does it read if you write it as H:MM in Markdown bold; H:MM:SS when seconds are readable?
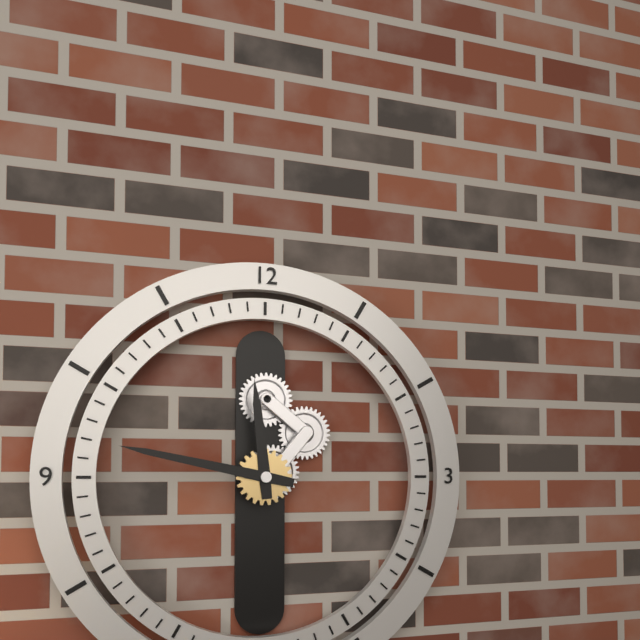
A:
**11:47**
